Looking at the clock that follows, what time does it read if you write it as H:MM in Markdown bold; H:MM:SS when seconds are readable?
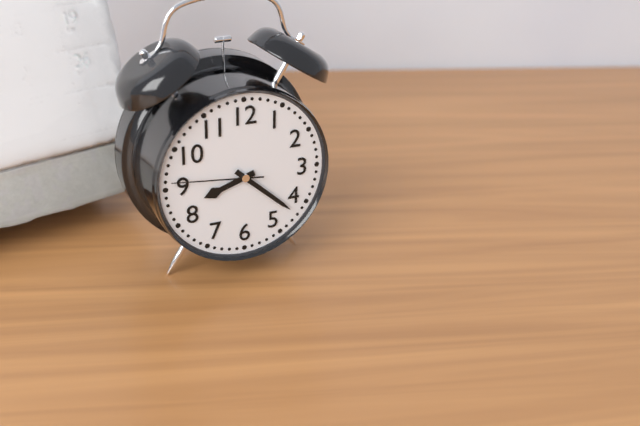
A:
**8:22:46**
